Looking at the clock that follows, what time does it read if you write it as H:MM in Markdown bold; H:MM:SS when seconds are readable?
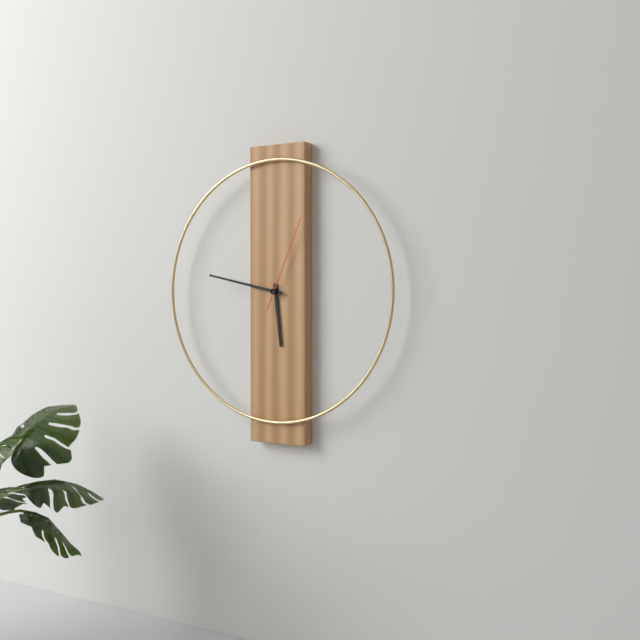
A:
**5:47:04**
